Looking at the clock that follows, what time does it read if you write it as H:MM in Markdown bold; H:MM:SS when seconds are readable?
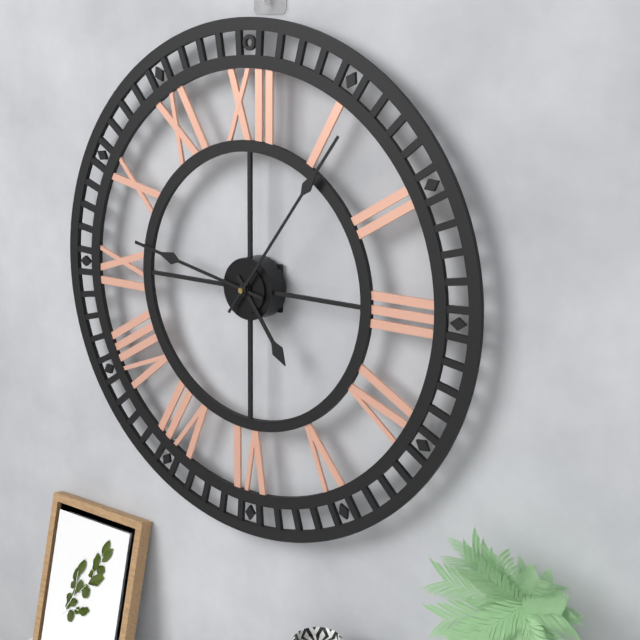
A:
**4:47:06**
